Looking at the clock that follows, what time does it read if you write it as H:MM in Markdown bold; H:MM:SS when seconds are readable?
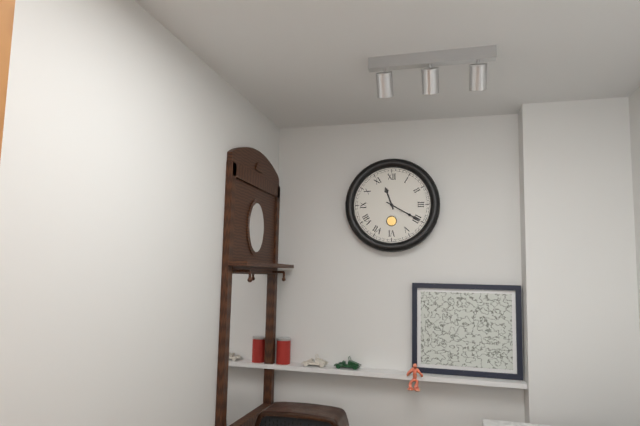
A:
**11:20**
